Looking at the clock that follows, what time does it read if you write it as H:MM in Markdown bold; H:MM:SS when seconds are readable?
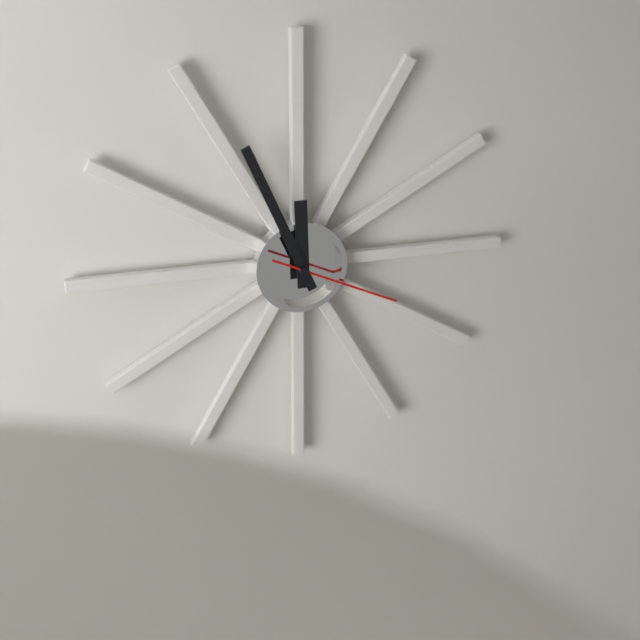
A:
**11:56:19**
